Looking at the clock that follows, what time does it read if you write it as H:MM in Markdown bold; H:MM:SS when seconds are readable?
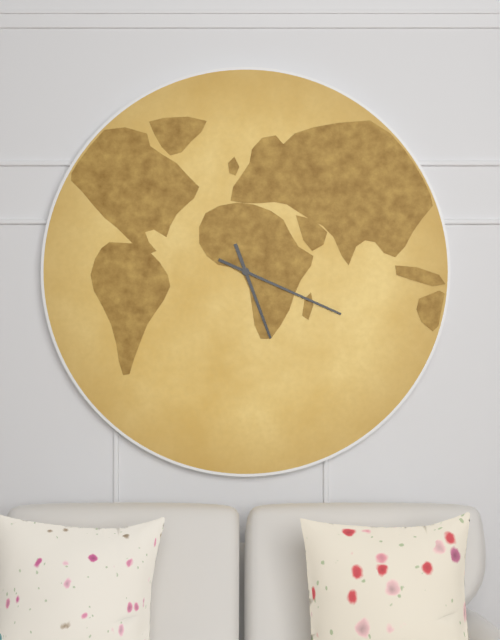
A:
**5:19**
